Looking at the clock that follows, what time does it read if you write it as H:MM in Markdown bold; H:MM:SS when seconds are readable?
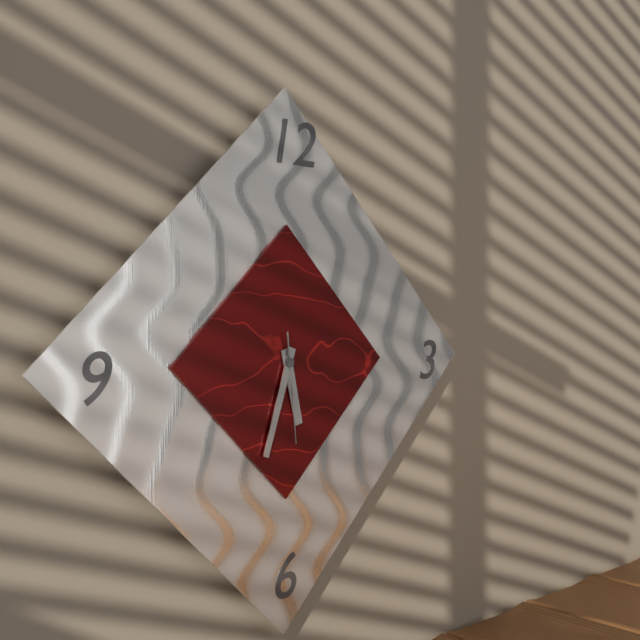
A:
**5:33:29**
